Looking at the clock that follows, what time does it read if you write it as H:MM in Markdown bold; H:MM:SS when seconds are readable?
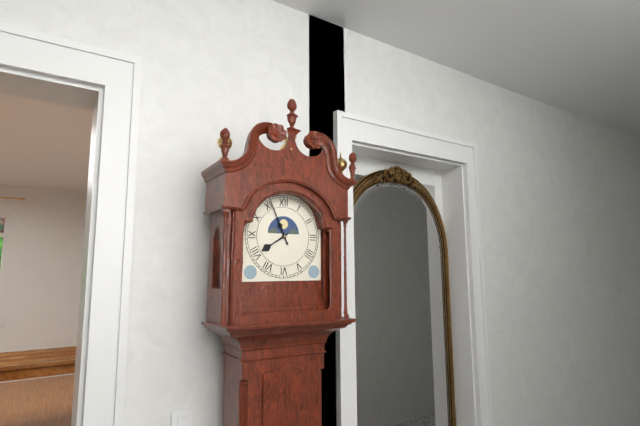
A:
**7:56**
